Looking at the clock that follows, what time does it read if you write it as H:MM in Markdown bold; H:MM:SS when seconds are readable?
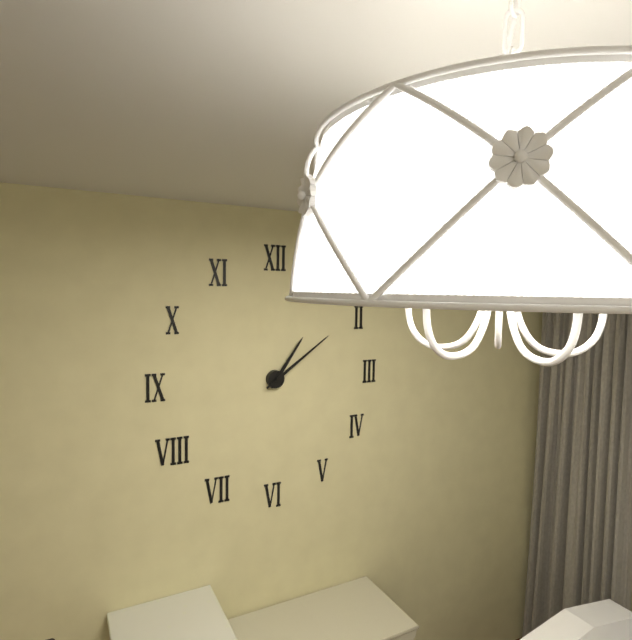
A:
**1:09**
